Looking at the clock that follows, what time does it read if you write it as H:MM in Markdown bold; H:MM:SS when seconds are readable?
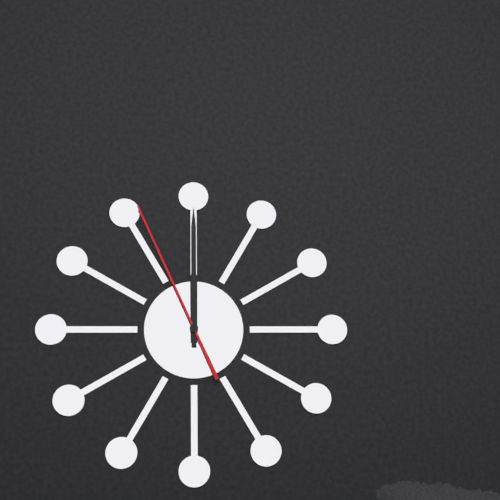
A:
**12:00:56**
